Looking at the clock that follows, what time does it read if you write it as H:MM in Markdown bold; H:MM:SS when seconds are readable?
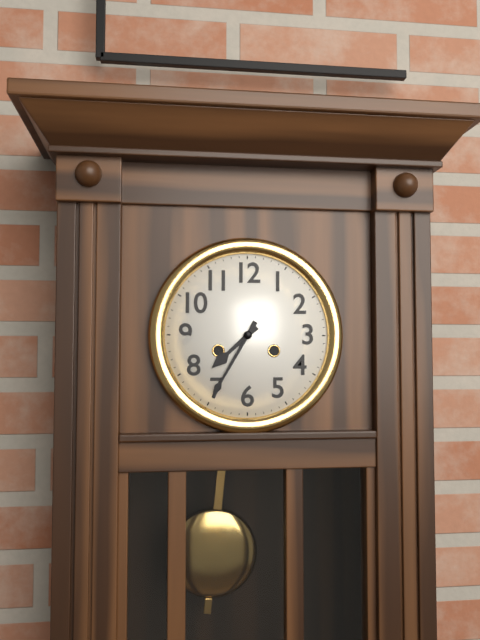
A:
**7:35**
